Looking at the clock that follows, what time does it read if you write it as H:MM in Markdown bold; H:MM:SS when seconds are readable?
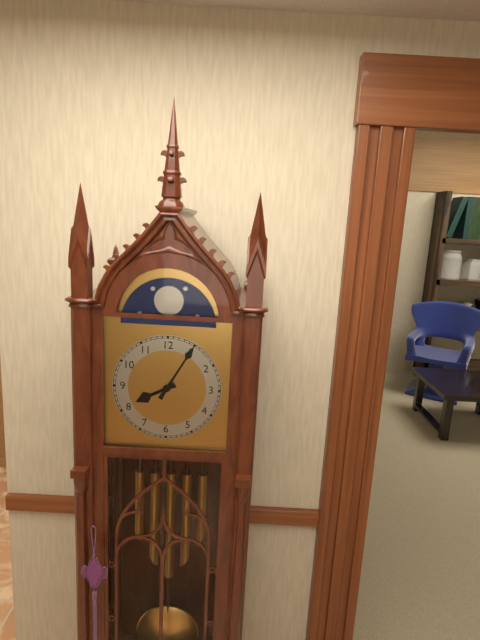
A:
**8:05**
